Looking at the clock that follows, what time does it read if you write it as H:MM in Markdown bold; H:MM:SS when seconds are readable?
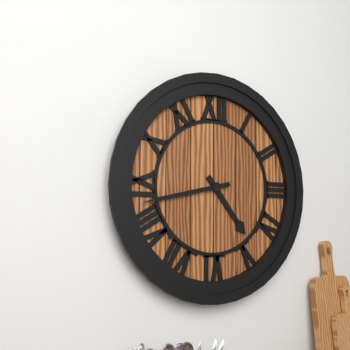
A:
**4:43**
